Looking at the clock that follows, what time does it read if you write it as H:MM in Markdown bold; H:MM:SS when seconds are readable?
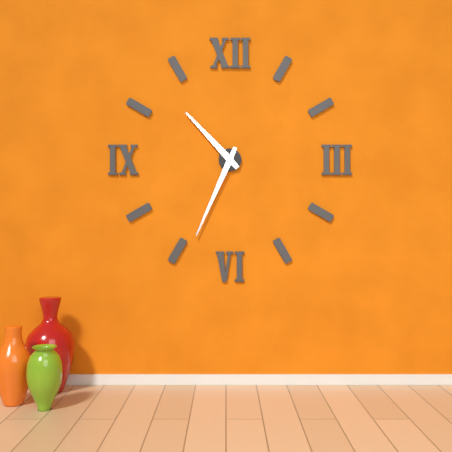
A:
**10:34**
